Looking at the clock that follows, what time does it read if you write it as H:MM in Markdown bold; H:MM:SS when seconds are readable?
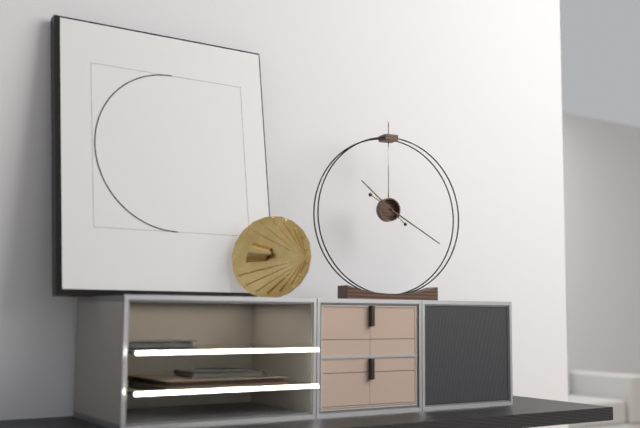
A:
**10:20**
